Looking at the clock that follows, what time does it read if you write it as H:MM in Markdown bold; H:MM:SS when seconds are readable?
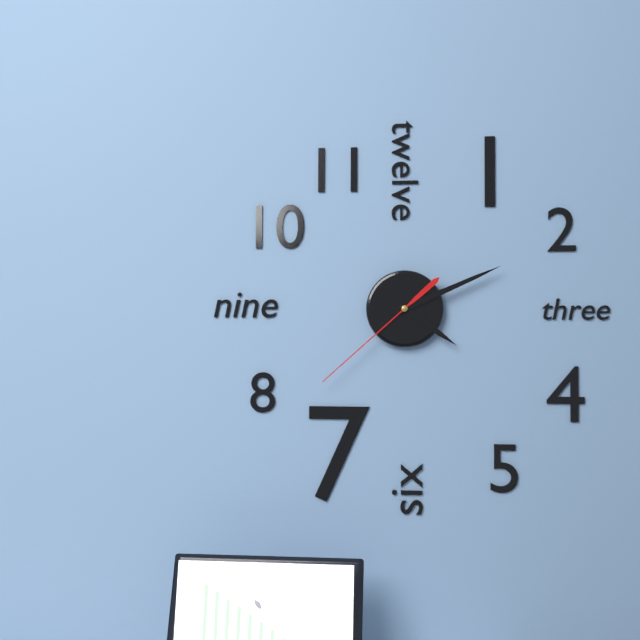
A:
**4:11:38**
